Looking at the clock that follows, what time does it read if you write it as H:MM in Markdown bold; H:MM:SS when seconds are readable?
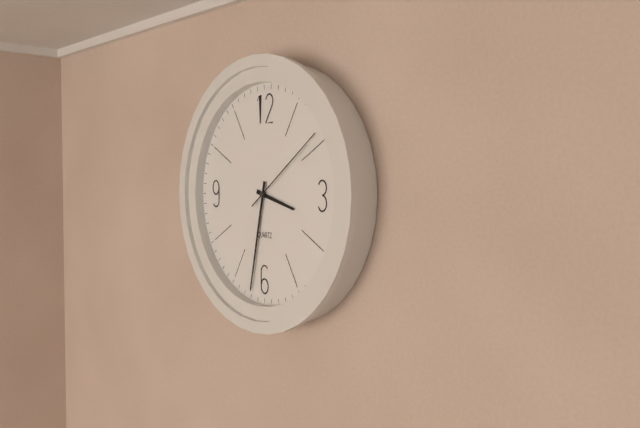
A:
**3:32:09**
